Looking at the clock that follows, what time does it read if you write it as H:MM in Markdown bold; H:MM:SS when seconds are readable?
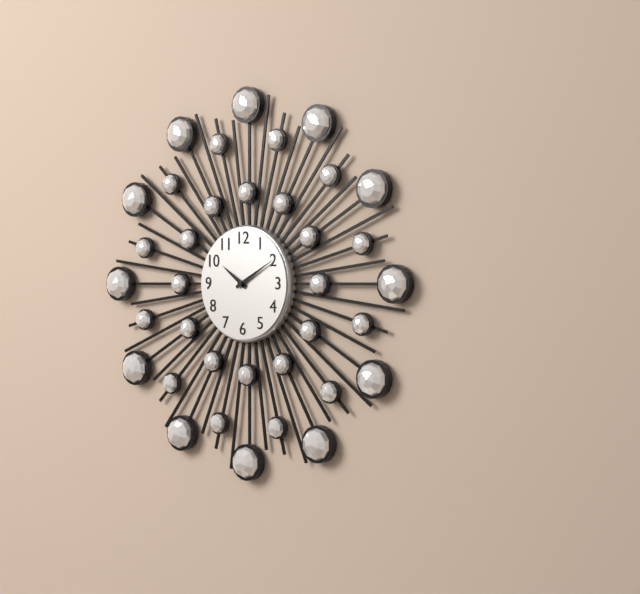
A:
**10:10**
